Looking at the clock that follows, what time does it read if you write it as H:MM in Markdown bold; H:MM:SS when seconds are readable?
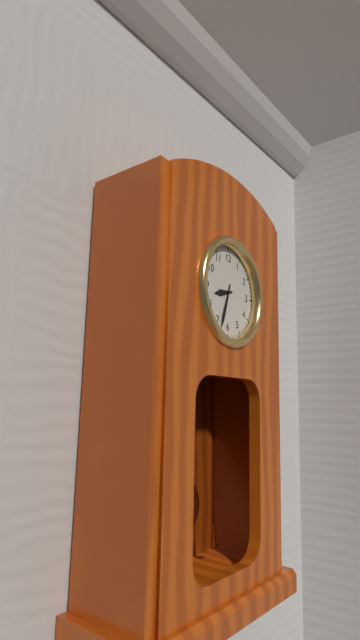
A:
**8:33**
